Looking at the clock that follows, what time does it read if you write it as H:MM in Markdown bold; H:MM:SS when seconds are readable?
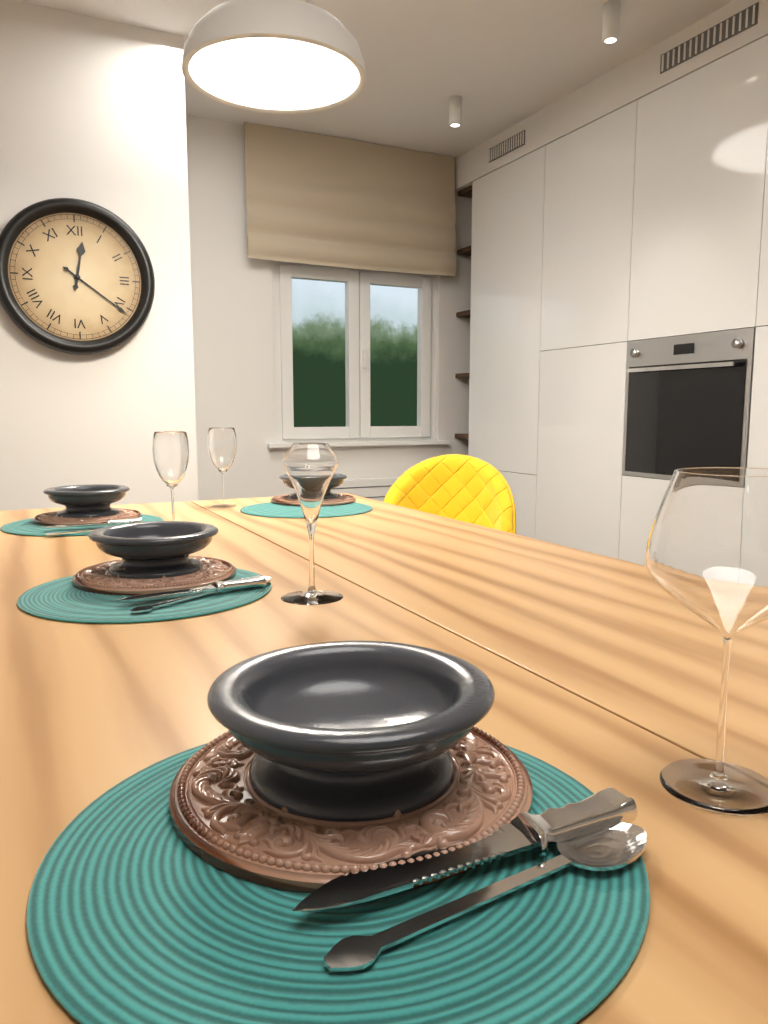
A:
**12:21**
